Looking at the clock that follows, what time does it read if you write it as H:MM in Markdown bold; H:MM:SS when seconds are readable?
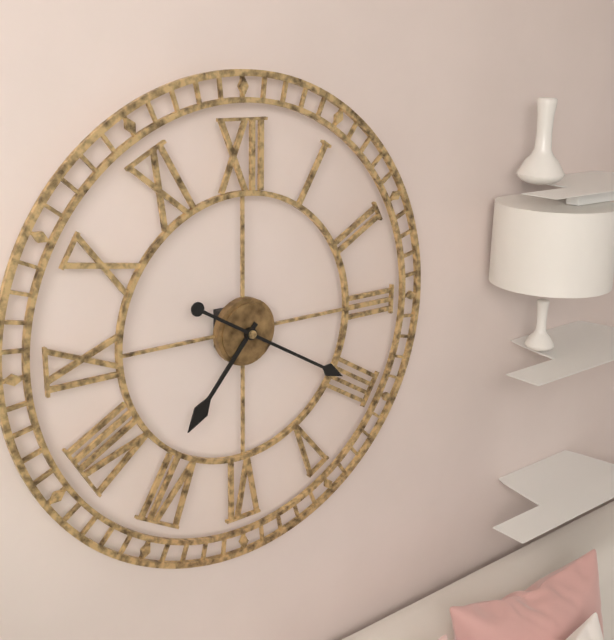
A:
**7:20**
